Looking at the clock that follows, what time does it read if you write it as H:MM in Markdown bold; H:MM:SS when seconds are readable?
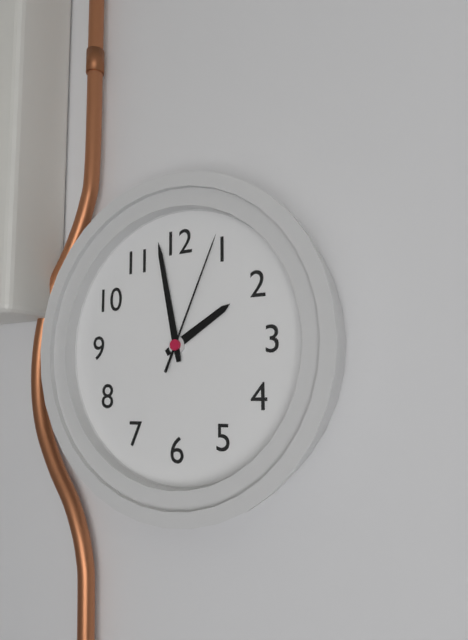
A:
**1:58:04**
